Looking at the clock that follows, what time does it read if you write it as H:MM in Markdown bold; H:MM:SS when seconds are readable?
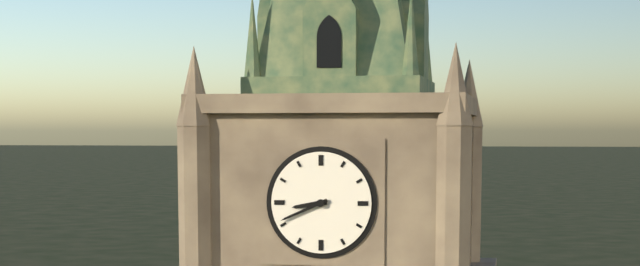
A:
**8:41**
